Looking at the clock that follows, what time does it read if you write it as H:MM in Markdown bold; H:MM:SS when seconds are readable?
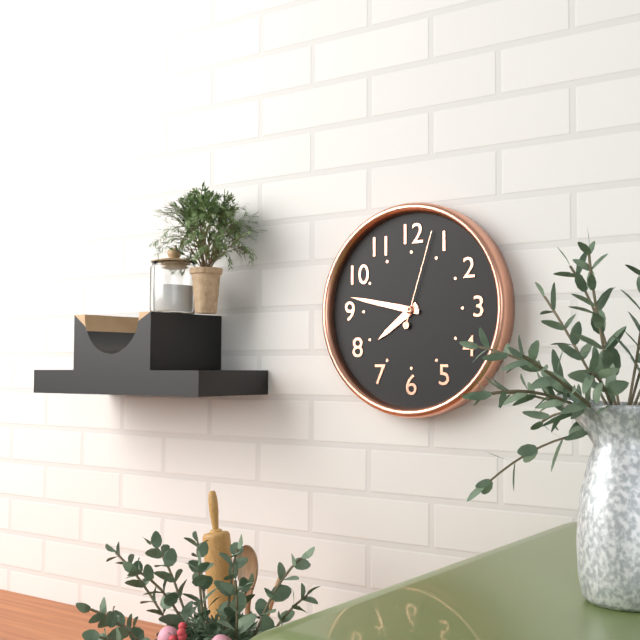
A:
**7:47:03**
